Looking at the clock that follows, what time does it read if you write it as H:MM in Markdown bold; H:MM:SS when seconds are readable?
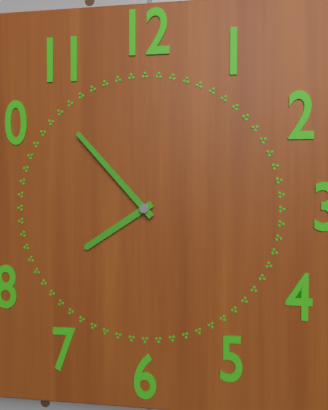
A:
**7:53**
